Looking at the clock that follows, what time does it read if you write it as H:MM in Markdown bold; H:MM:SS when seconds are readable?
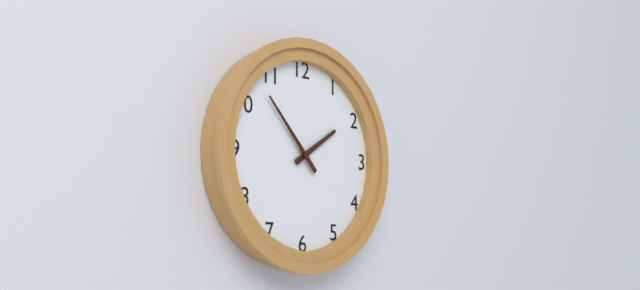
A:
**1:53**
